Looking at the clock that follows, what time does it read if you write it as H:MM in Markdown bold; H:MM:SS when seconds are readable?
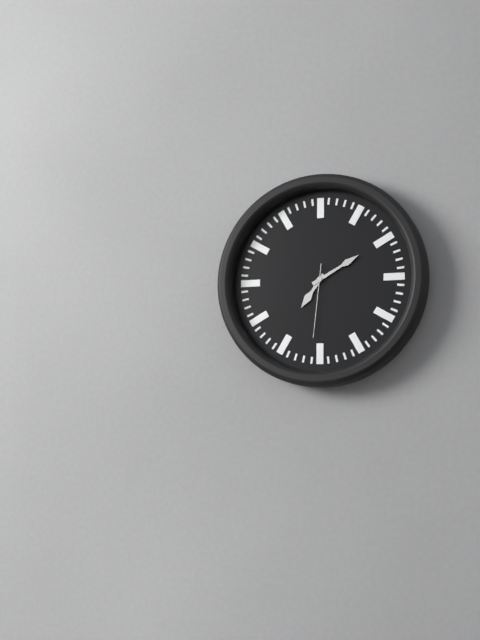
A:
**7:10:31**
